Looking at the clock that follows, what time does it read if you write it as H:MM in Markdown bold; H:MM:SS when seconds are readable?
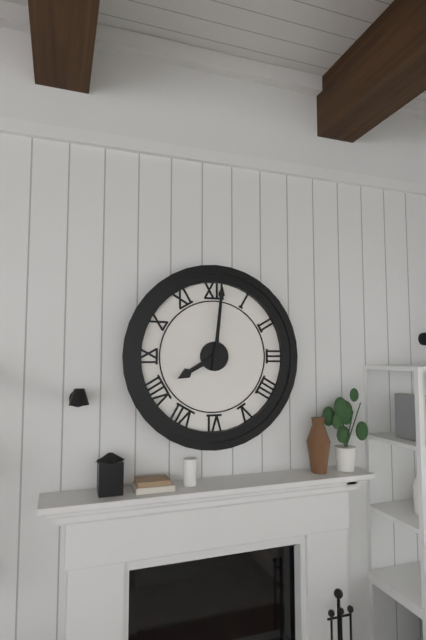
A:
**8:01**
